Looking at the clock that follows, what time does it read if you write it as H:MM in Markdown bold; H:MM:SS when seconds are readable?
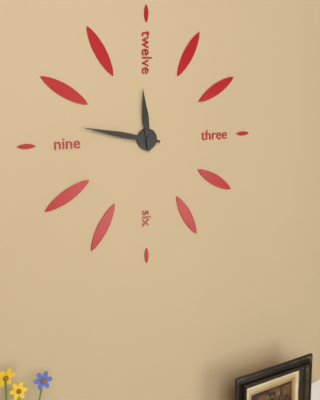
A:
**11:47**
